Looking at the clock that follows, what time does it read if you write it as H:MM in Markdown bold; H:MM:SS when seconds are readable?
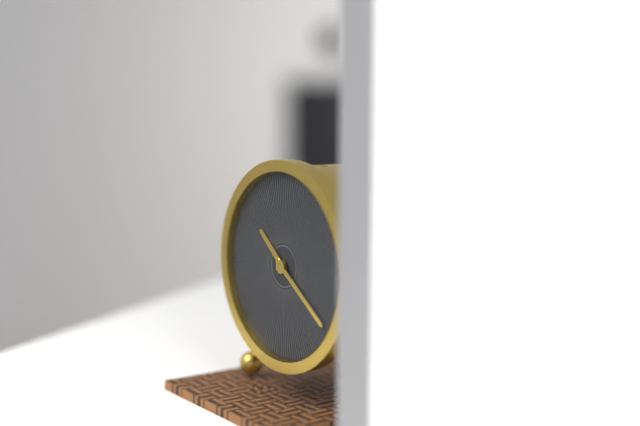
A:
**10:21**
